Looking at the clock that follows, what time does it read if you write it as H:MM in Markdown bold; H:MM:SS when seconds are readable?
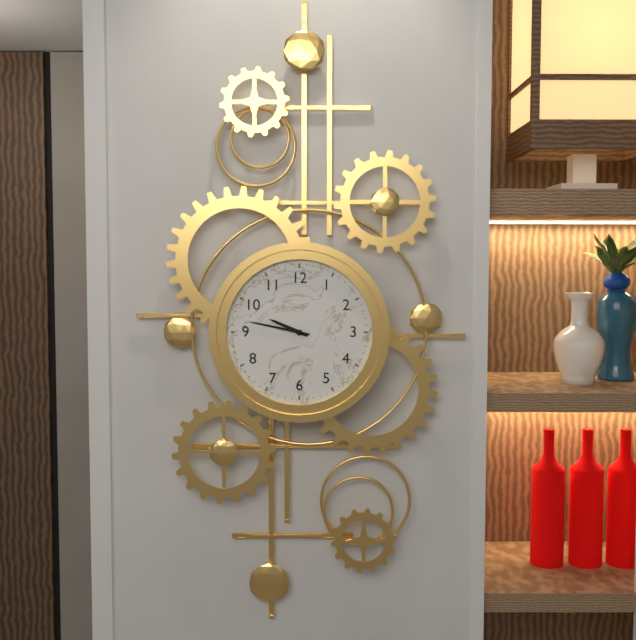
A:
**9:47**
